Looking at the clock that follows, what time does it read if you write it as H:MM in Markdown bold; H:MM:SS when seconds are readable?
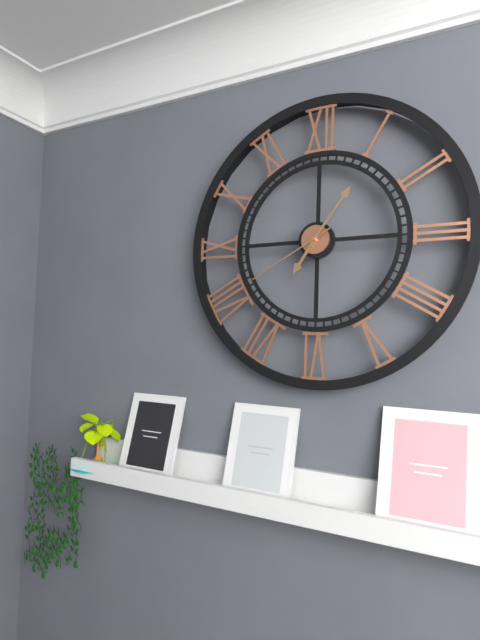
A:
**7:06:40**
